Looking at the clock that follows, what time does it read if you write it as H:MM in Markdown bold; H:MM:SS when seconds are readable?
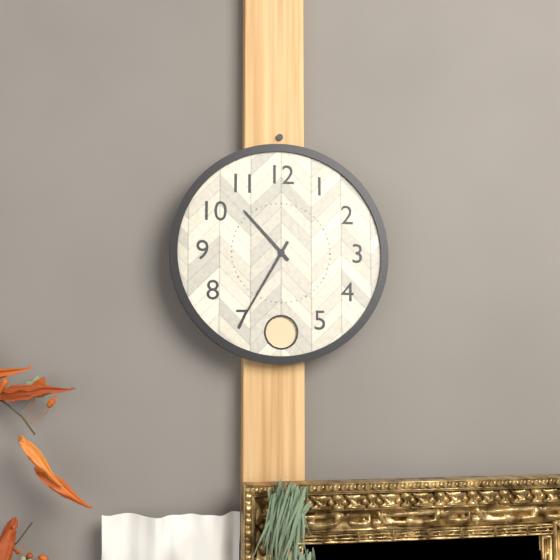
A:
**10:35**
